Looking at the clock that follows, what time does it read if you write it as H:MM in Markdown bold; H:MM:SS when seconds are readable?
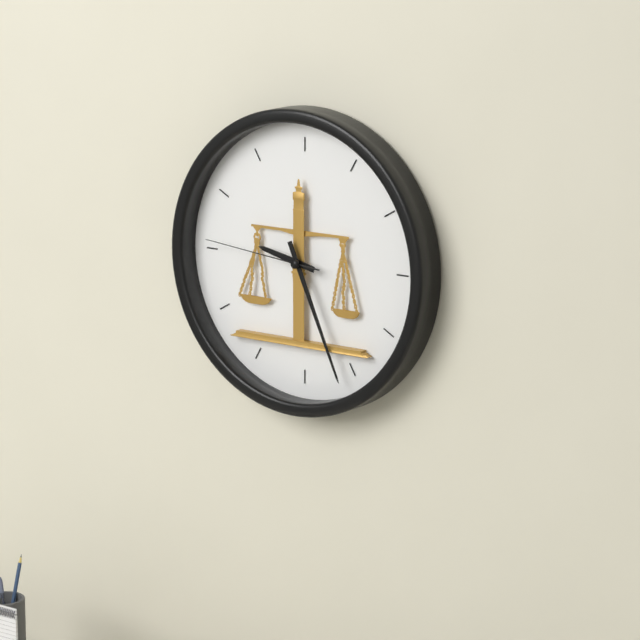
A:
**9:26:46**
